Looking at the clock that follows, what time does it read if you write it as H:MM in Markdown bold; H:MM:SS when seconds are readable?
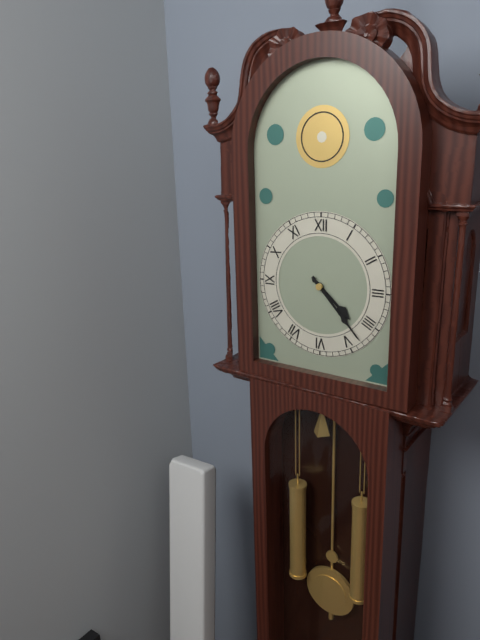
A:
**4:23**
